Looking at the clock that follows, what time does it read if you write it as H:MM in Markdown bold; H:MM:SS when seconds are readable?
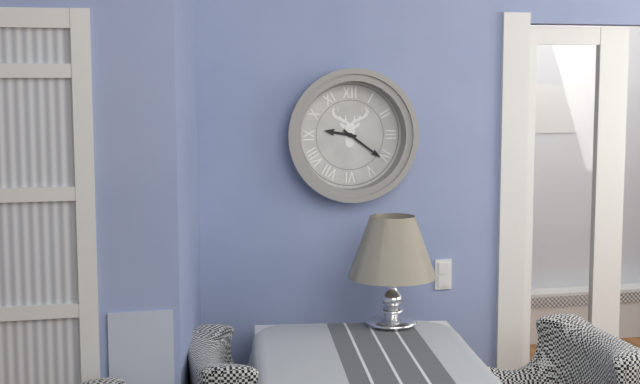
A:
**9:21**
